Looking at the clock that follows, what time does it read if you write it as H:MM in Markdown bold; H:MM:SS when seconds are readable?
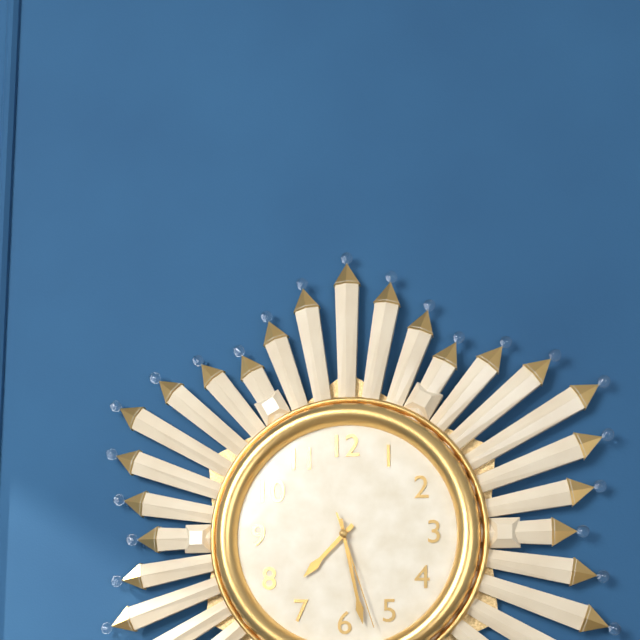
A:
**7:28:27**
